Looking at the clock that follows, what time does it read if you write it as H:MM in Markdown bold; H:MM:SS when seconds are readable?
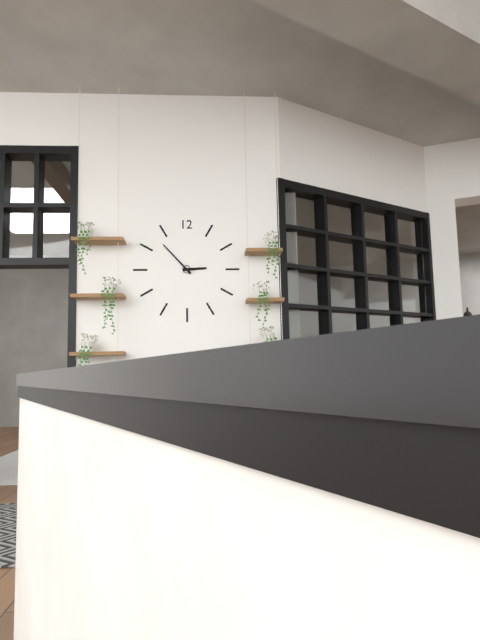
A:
**2:53**
